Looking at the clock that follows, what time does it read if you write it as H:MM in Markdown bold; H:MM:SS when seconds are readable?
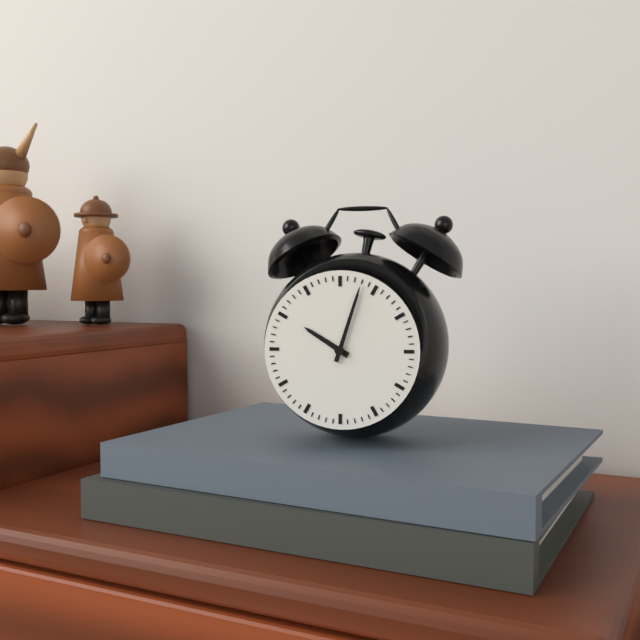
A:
**10:03**
